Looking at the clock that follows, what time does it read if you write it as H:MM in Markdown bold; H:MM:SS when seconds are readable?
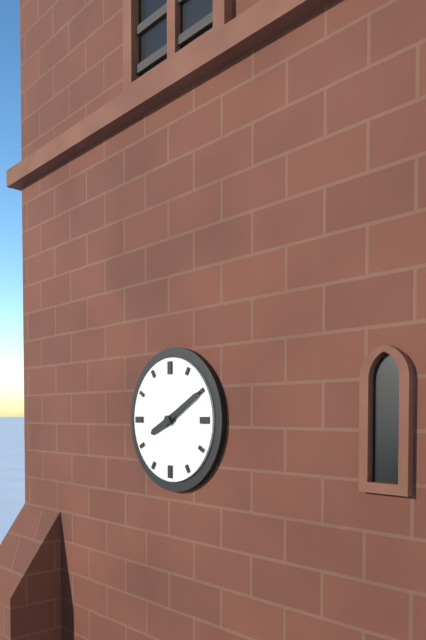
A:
**8:10**
